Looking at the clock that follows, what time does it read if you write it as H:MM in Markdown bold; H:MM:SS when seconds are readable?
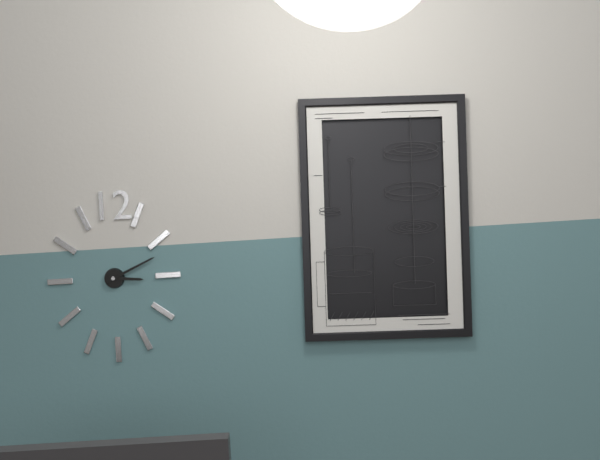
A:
**3:11**
